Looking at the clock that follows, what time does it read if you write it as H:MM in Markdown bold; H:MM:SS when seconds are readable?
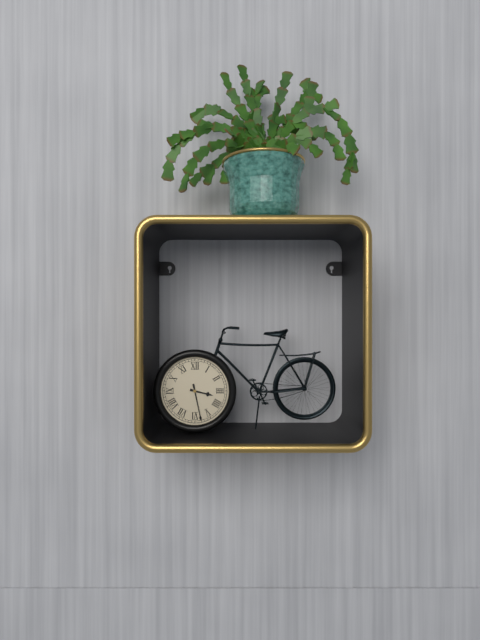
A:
**3:28**
